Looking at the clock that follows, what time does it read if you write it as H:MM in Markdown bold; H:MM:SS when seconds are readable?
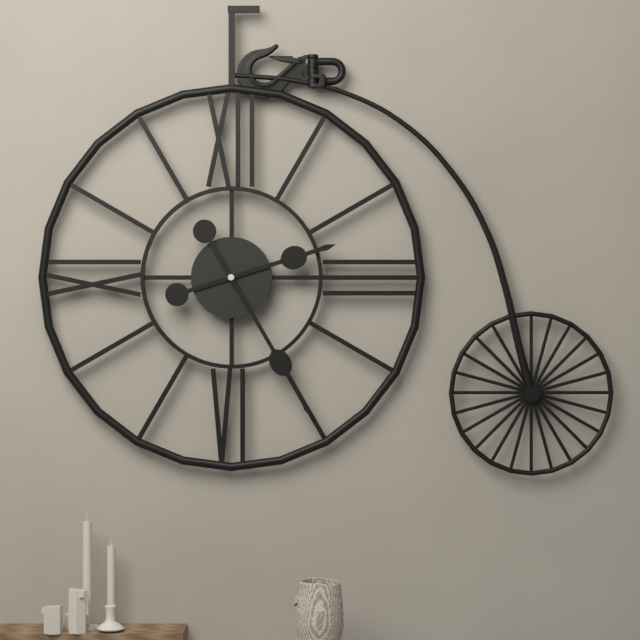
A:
**2:25**
